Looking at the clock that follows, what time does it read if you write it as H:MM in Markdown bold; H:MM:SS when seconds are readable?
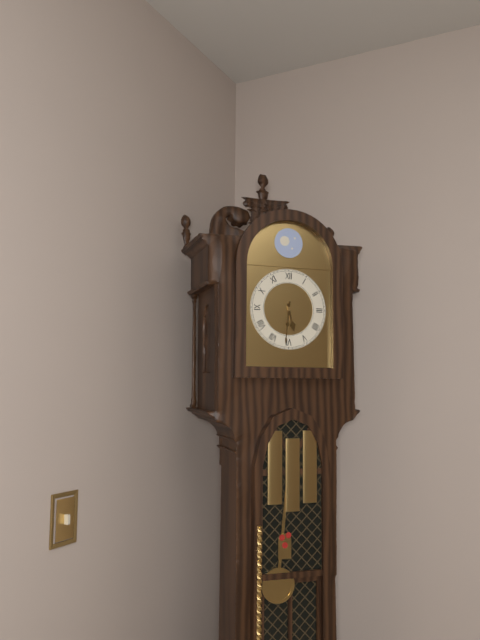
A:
**5:31**
